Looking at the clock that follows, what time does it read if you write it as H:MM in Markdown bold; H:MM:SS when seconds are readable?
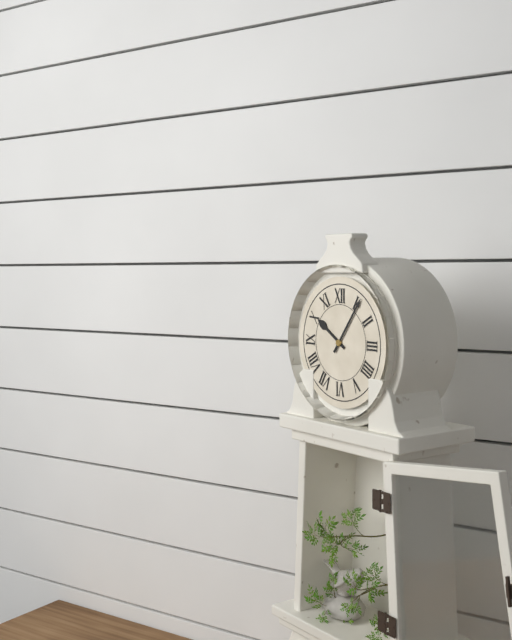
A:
**10:06**
